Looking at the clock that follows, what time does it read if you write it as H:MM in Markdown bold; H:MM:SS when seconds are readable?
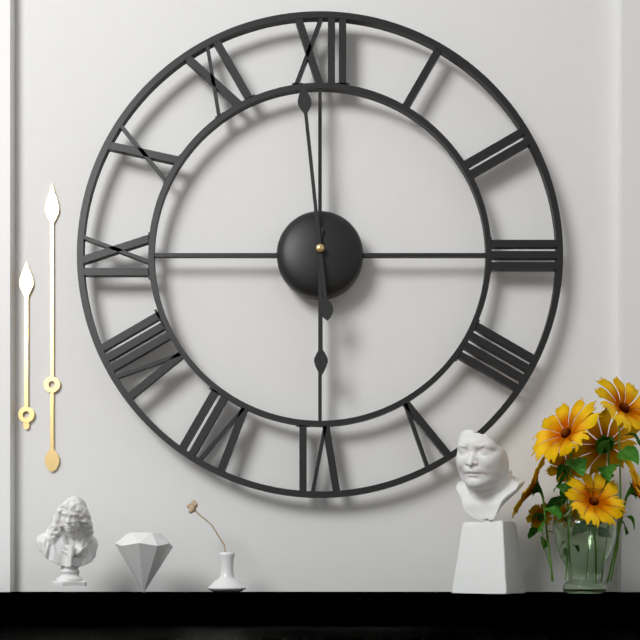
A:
**5:59**
